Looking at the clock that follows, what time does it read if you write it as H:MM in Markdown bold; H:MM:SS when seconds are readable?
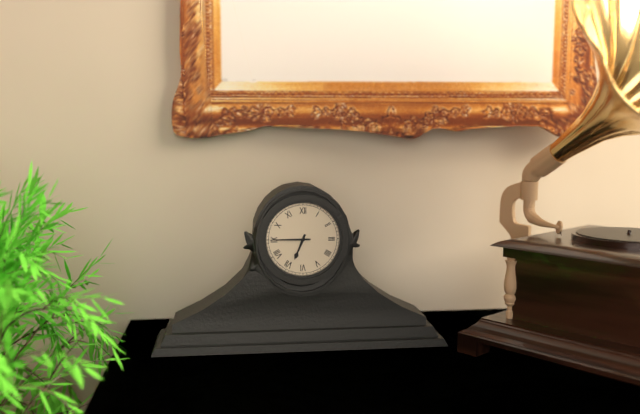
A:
**6:45**
